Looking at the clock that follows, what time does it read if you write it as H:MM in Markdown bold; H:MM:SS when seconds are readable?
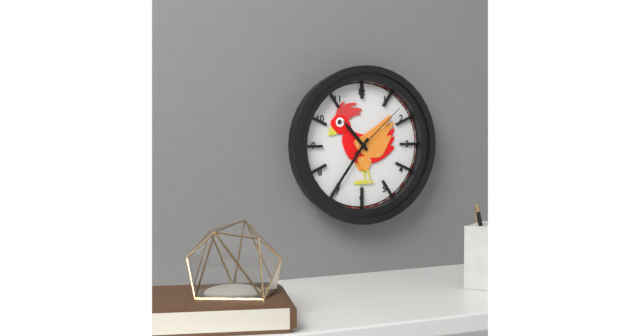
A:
**10:36:08**
